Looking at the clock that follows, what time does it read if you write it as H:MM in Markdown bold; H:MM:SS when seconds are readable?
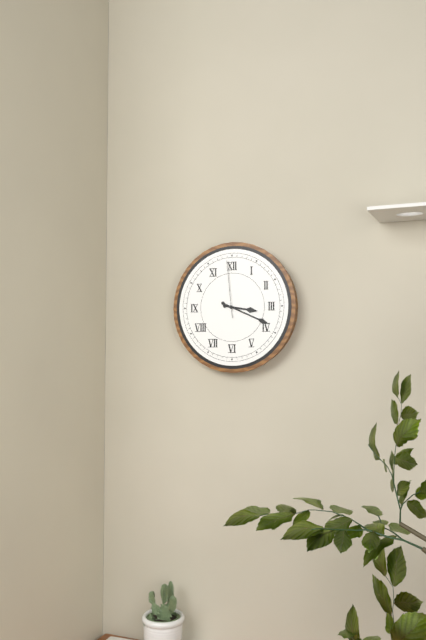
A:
**3:19:59**
